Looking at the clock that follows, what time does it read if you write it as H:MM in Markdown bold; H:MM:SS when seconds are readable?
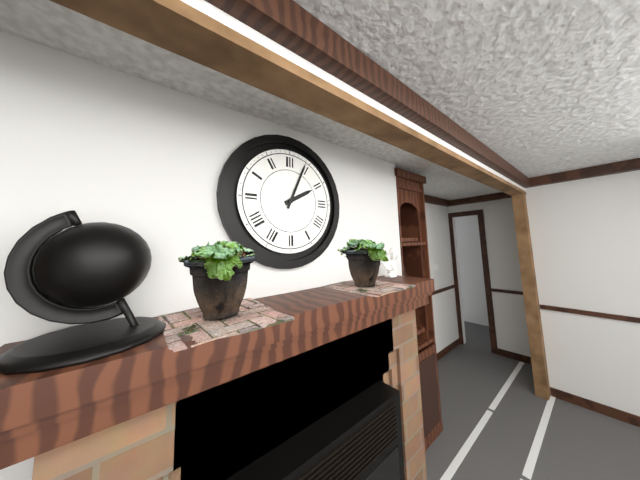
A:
**2:04**
